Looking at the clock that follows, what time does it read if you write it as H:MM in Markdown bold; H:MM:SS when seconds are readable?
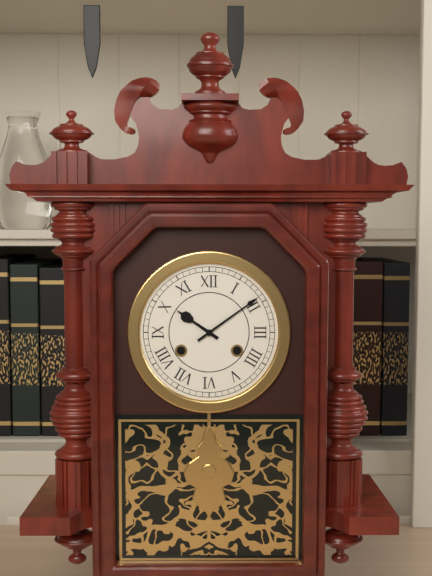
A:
**10:09**
